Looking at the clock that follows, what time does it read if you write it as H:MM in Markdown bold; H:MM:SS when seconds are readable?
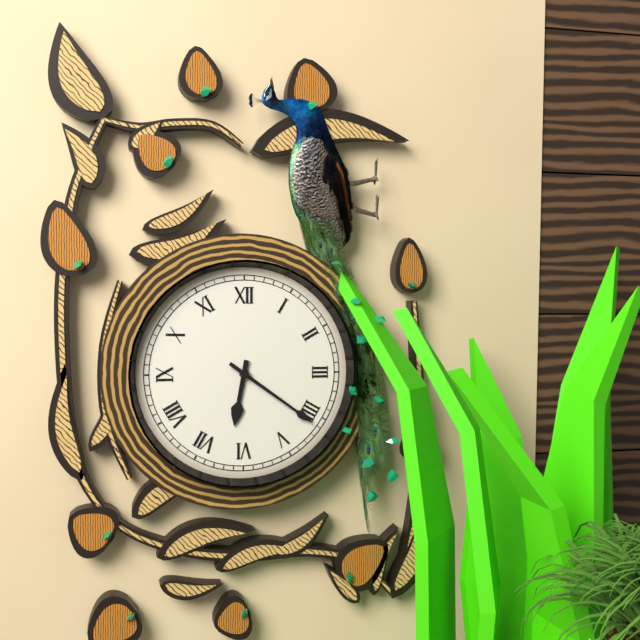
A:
**6:21**
